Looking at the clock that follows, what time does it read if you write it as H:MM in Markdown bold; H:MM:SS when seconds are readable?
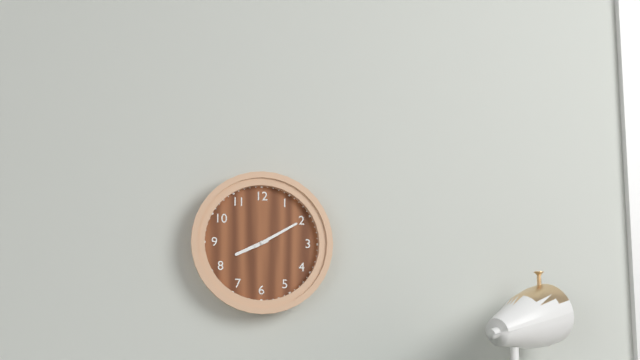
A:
**8:10**
